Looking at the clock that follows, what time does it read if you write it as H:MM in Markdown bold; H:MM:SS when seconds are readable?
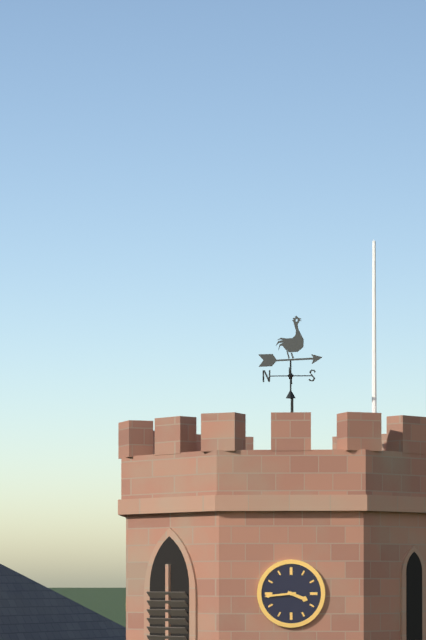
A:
**3:44**
